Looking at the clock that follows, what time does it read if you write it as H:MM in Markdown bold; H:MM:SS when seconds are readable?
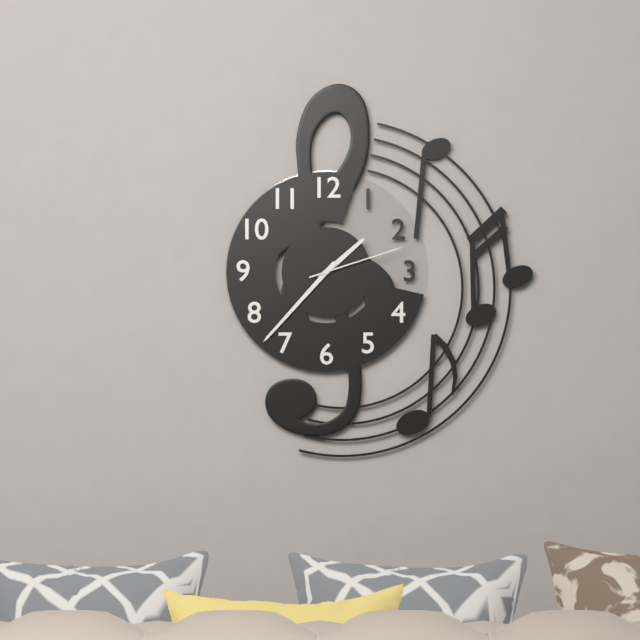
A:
**1:37:12**
